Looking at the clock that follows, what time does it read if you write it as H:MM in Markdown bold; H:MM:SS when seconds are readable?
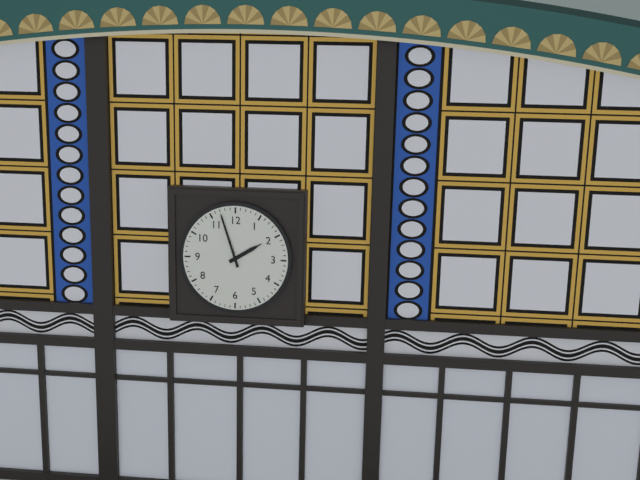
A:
**1:57**
